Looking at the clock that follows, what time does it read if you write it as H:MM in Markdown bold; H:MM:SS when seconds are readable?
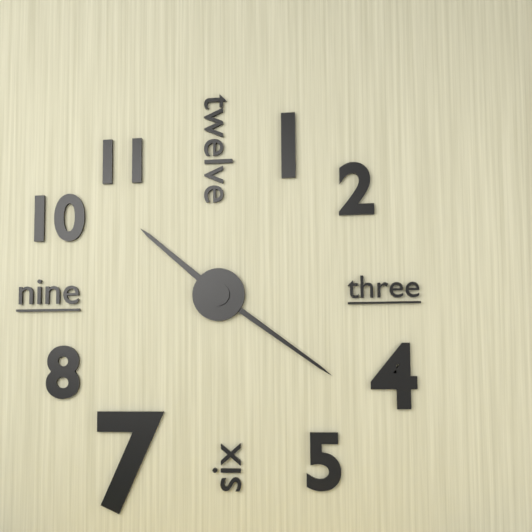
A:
**10:21**
